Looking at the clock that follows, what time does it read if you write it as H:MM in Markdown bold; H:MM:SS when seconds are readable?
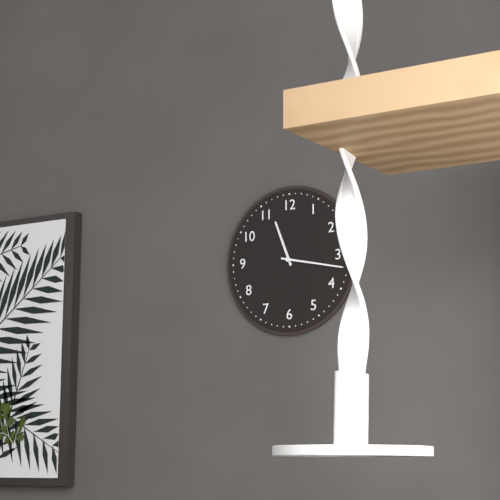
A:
**11:17**
